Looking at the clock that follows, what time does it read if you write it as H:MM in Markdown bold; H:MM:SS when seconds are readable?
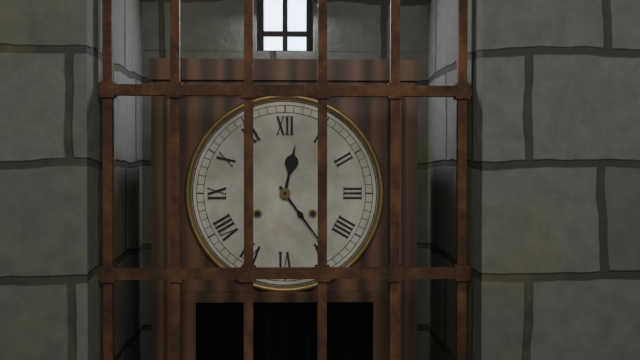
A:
**12:24**
